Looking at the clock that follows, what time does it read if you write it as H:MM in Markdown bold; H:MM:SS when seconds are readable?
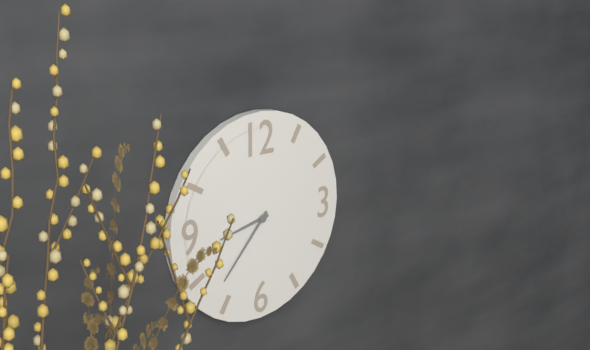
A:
**8:37**
